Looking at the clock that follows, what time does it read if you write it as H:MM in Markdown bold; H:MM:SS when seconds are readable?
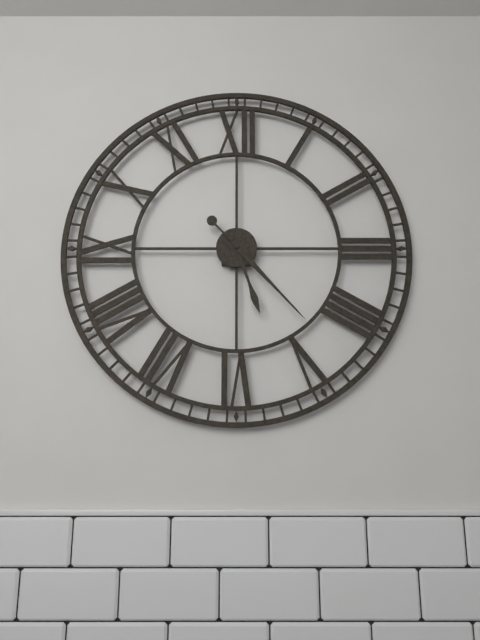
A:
**5:23**
